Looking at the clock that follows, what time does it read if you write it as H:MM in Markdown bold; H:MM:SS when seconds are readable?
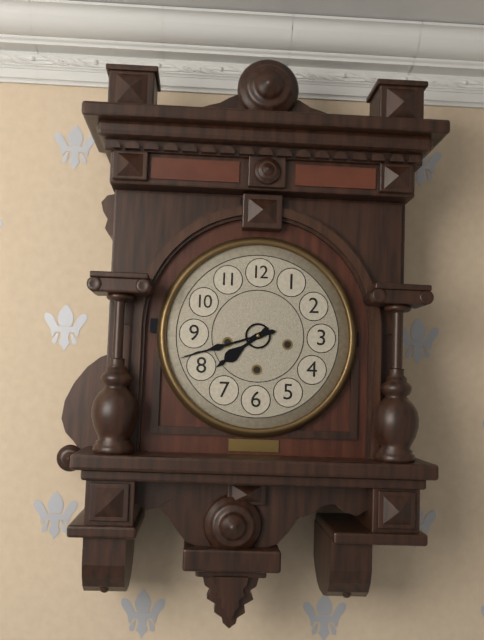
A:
**7:42**
